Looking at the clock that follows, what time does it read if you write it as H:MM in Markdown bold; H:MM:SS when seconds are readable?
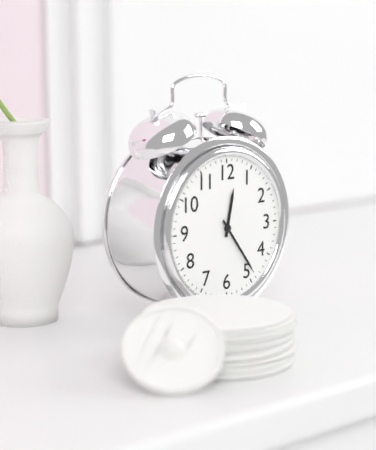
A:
**12:24**
